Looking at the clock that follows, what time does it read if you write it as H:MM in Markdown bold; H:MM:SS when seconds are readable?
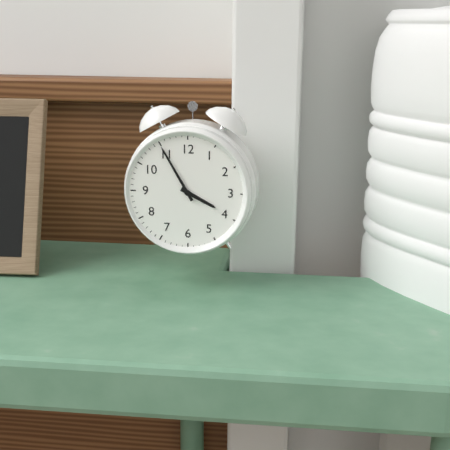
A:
**3:55**
